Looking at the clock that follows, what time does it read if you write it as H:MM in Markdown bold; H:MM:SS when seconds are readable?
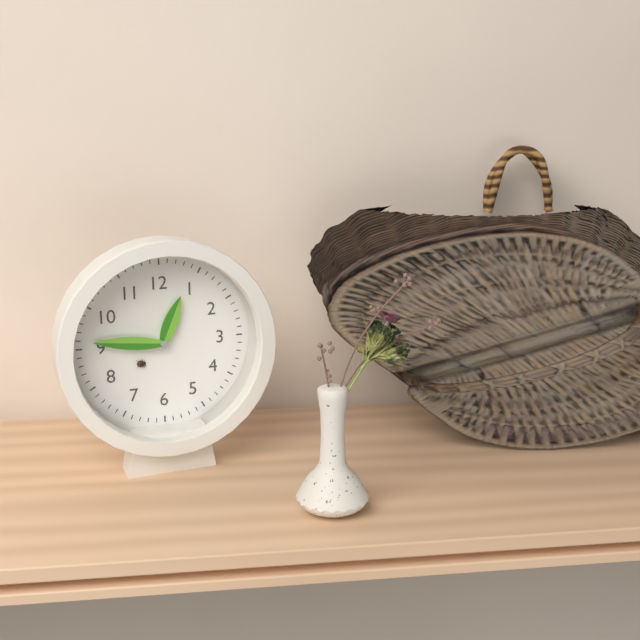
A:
**12:46**
